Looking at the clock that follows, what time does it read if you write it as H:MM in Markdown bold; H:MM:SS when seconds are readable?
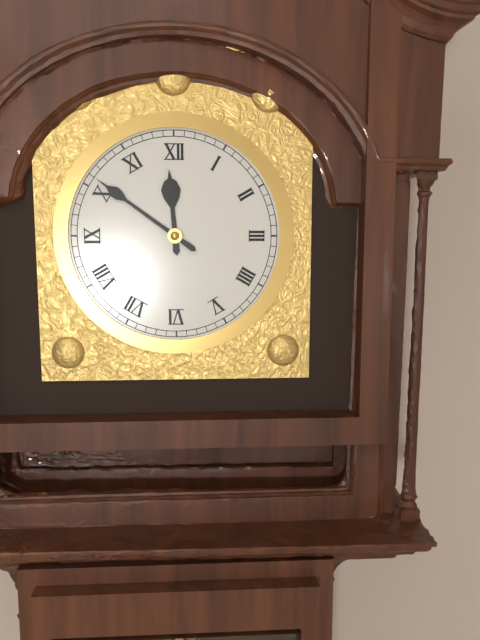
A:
**11:51**
